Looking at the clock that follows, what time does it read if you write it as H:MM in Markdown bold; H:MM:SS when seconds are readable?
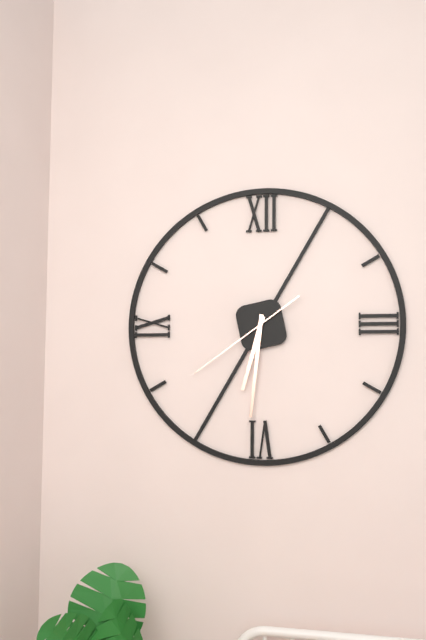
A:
**6:31:39**
